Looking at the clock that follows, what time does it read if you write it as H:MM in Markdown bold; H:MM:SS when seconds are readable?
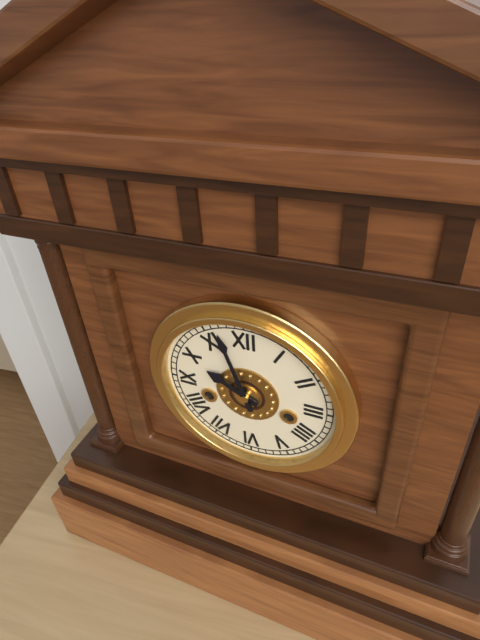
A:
**9:57**
